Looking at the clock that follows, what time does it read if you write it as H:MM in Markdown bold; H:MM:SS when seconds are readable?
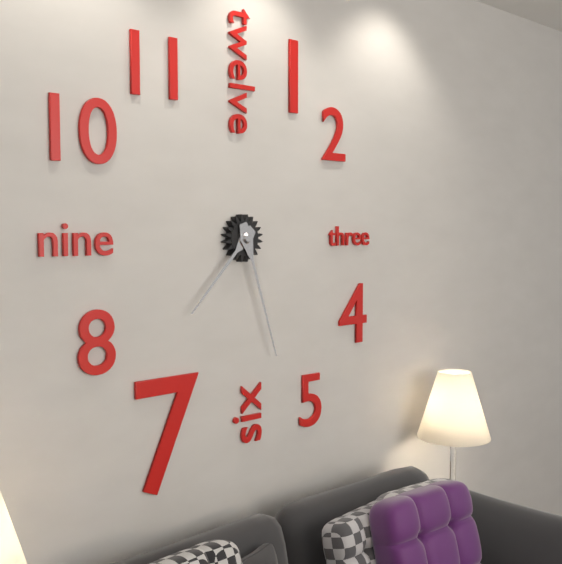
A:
**7:27**
